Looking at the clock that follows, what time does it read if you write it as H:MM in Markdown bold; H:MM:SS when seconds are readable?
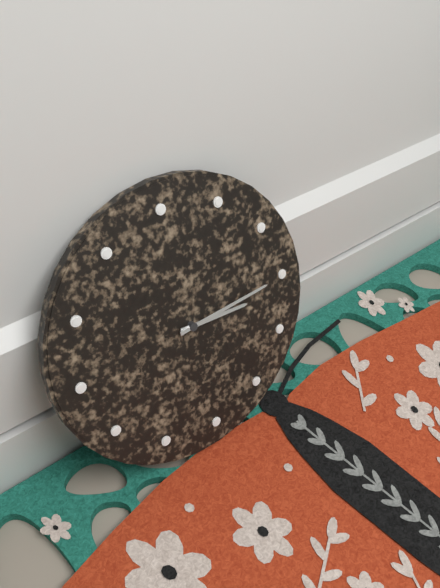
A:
**3:15**
